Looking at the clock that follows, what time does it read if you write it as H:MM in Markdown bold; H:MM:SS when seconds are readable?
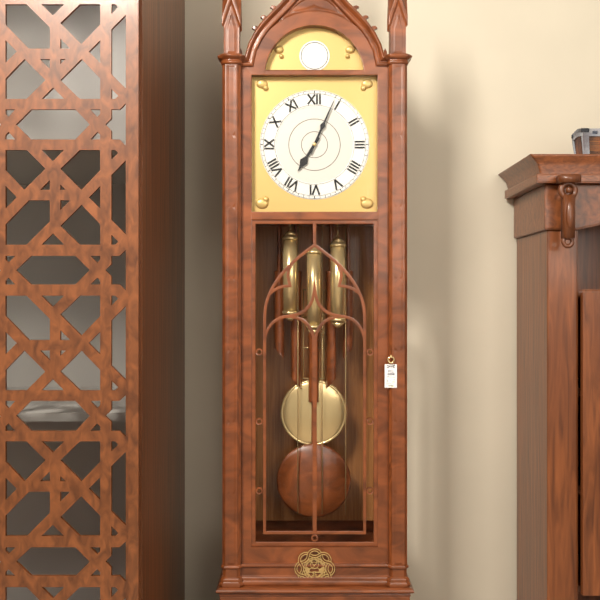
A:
**7:04**
